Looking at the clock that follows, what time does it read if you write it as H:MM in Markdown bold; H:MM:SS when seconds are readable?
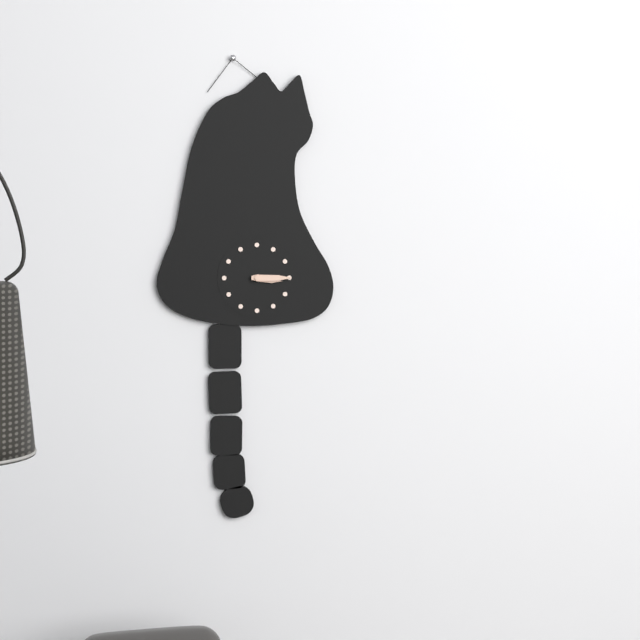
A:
**3:15**
